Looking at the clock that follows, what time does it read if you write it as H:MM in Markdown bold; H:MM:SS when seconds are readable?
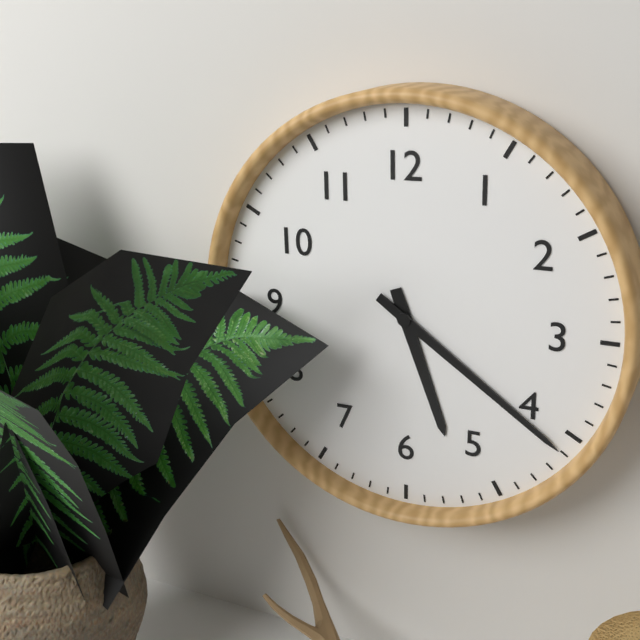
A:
**5:21**
